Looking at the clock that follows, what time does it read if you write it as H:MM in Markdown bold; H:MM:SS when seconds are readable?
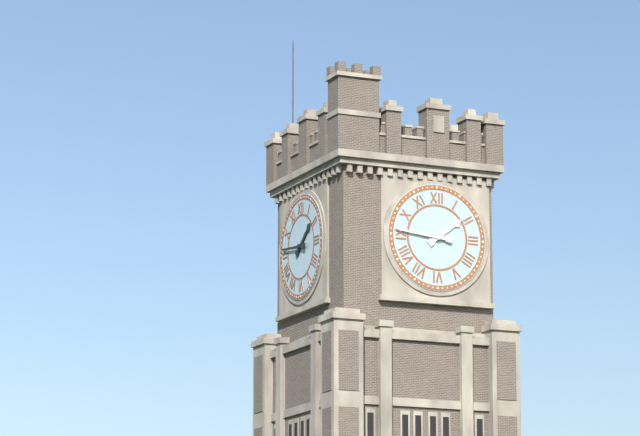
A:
**1:46**
